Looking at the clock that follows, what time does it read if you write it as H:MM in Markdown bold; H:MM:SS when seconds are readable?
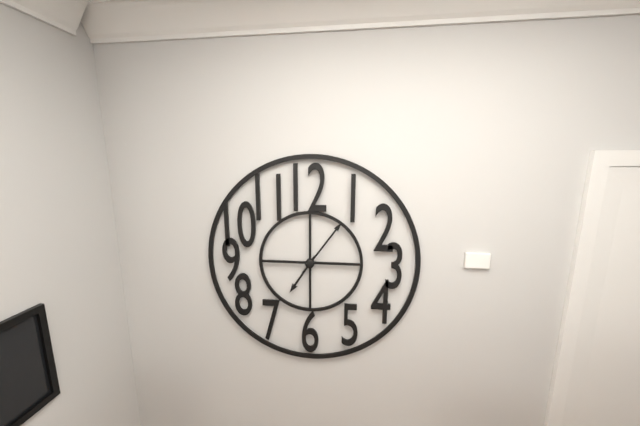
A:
**7:06**
